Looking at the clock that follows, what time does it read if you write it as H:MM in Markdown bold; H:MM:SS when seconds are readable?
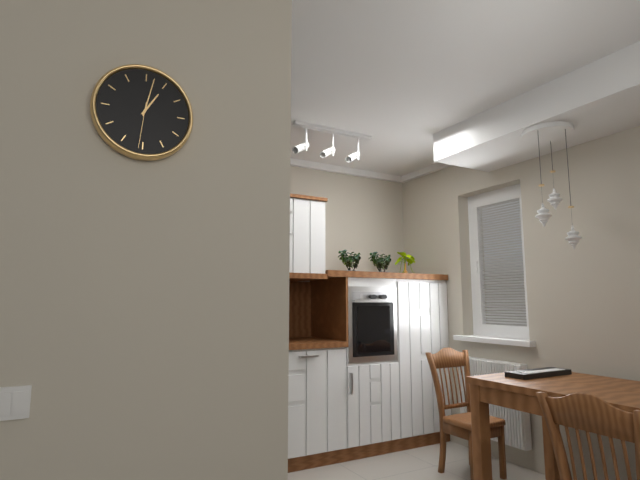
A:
**1:02**
